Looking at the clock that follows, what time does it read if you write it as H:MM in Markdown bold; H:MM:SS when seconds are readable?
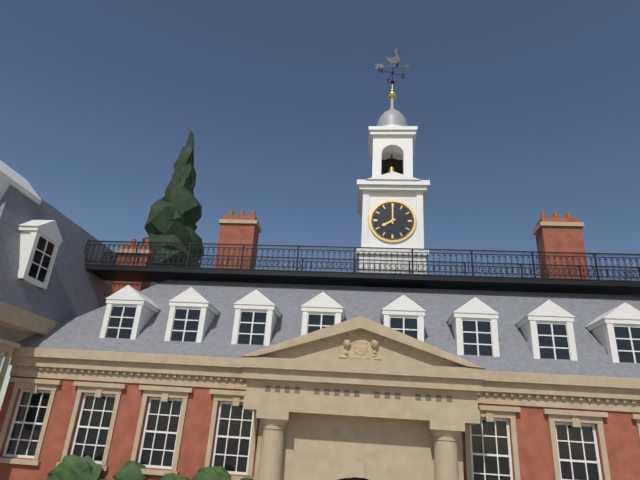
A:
**8:00**
